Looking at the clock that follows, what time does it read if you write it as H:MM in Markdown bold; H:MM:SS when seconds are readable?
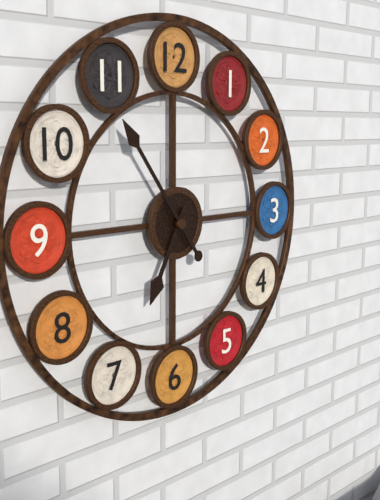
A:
**6:54**
